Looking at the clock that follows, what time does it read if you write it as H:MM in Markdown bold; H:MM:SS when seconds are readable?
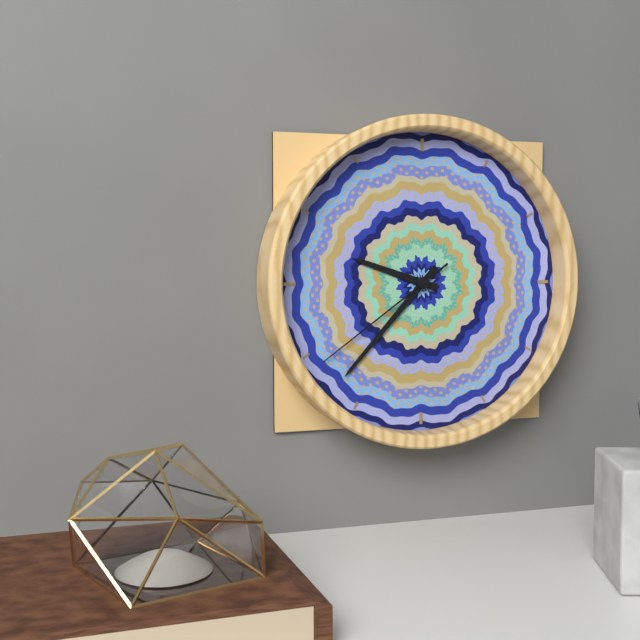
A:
**9:37:39**
